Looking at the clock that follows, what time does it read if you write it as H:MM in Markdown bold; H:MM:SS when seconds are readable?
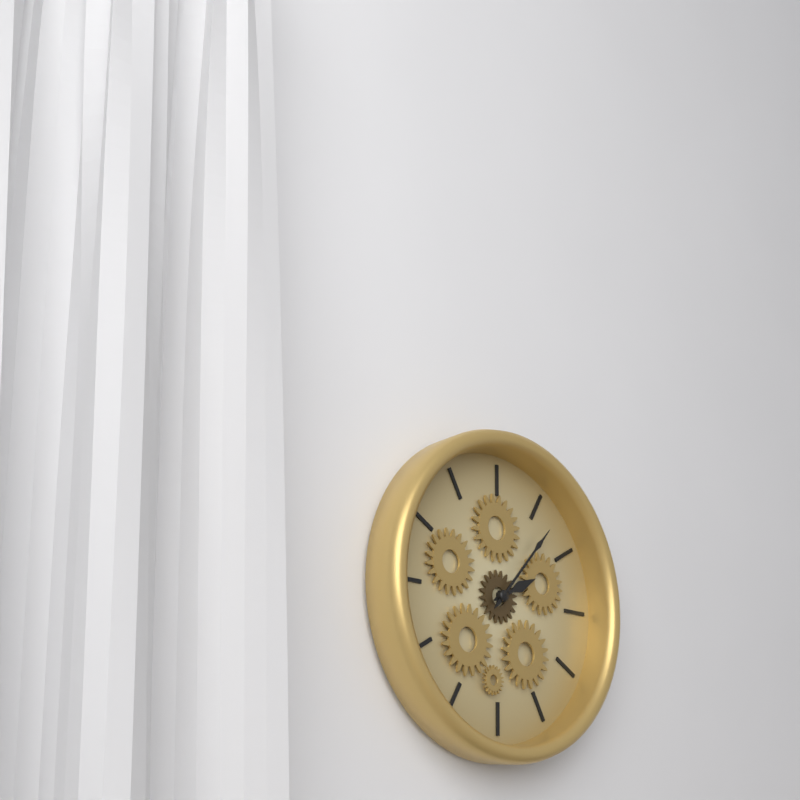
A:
**2:07**
